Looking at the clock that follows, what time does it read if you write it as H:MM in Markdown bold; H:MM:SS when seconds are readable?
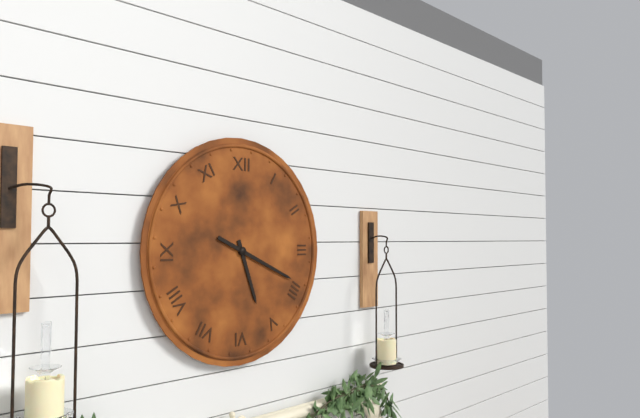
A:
**5:19**
